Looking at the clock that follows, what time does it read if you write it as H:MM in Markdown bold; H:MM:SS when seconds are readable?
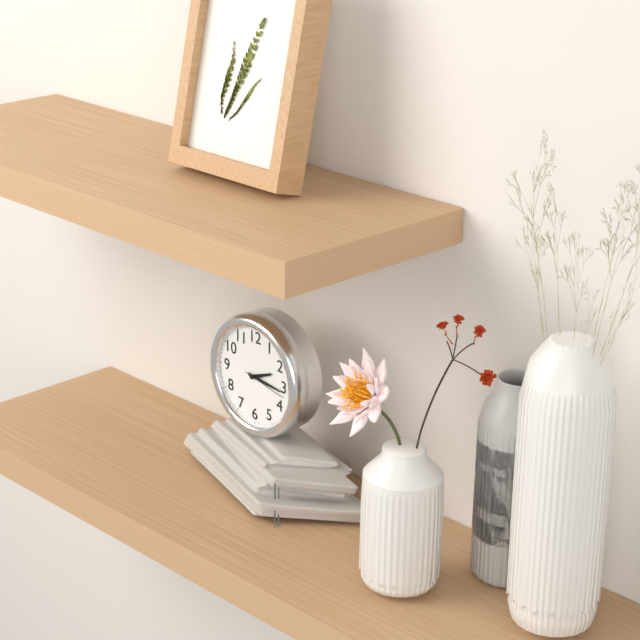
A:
**2:16**
